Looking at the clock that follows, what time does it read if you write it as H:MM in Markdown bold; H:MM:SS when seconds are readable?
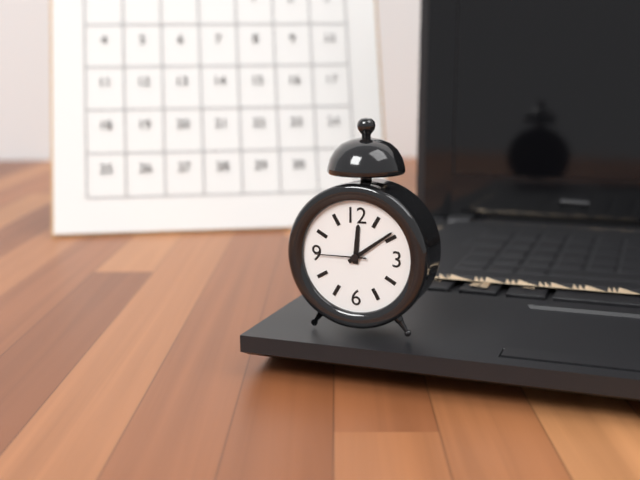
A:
**12:09:45**
